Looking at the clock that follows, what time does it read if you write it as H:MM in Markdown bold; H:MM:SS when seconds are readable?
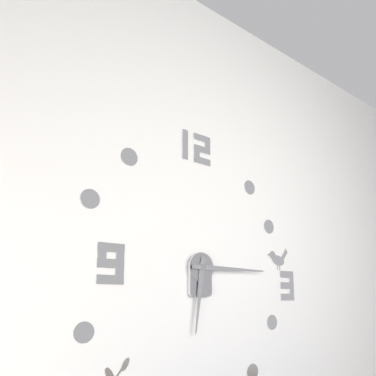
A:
**6:15**
